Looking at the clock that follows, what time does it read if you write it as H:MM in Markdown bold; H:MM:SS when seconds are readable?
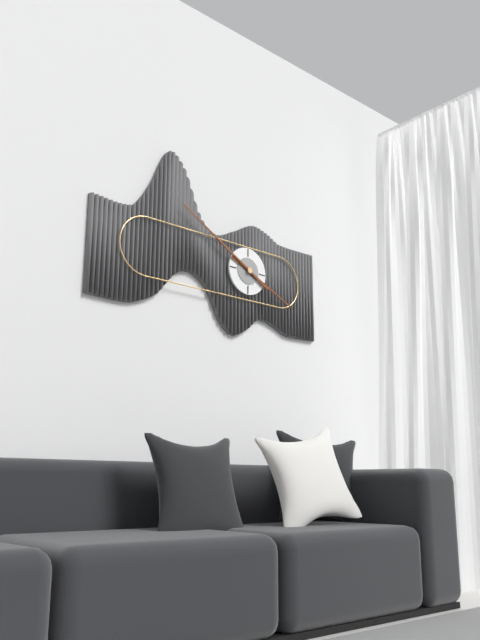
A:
**3:50**
